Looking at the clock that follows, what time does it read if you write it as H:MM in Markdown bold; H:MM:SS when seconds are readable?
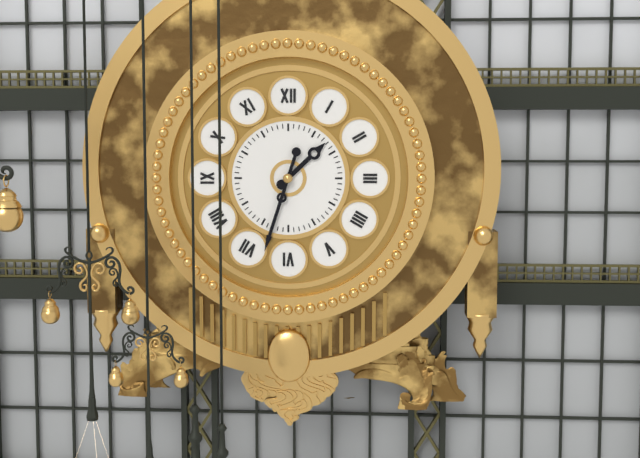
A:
**1:33**
